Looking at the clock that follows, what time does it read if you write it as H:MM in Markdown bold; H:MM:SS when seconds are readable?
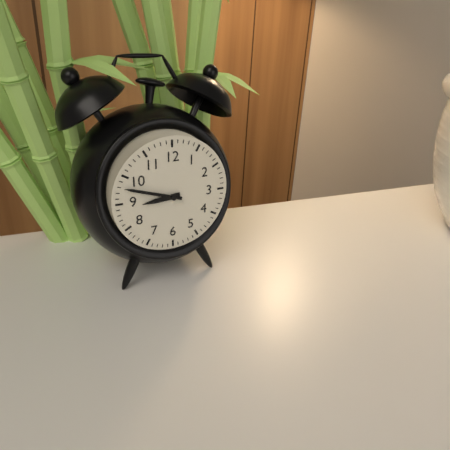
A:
**8:48**
